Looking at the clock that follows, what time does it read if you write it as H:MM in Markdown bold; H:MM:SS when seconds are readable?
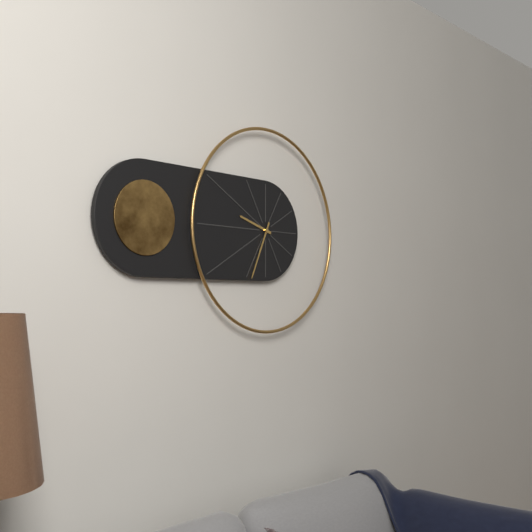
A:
**9:34**
